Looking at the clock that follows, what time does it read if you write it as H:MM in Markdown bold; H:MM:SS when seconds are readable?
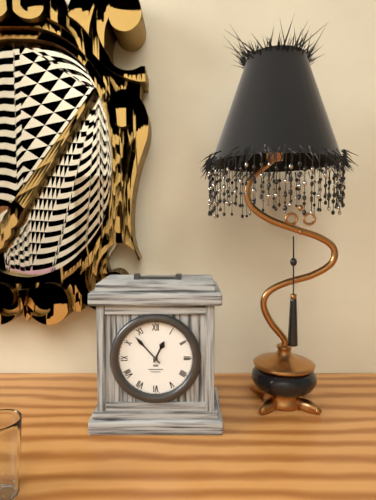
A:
**12:53**
